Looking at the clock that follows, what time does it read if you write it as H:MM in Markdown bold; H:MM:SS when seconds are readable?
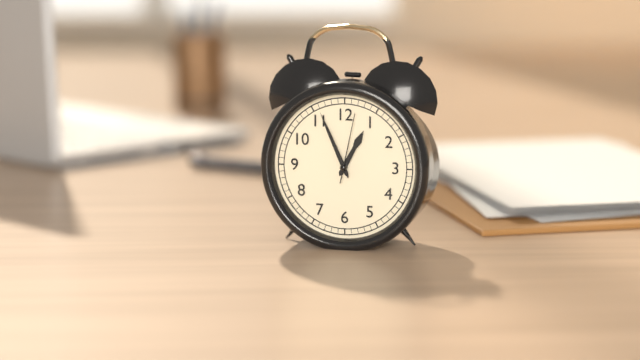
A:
**12:56:02**
